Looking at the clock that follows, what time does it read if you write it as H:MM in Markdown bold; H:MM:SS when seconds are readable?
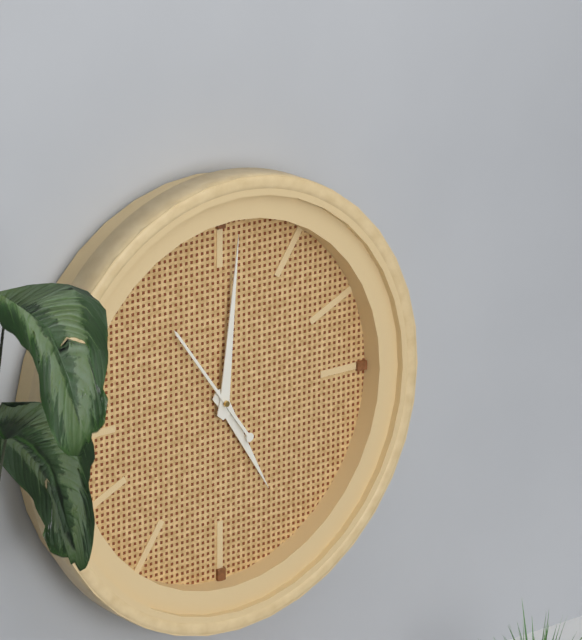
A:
**5:01:54**
